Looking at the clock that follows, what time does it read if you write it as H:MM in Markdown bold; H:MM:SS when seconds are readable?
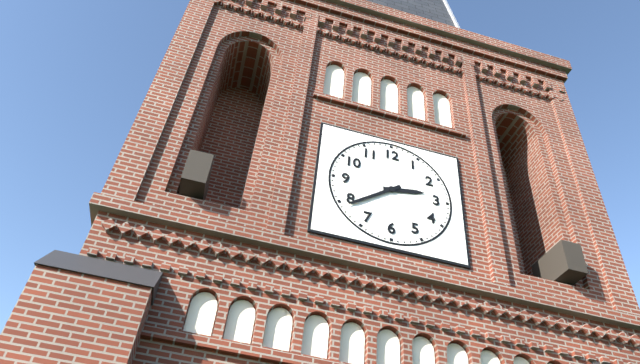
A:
**2:39**
